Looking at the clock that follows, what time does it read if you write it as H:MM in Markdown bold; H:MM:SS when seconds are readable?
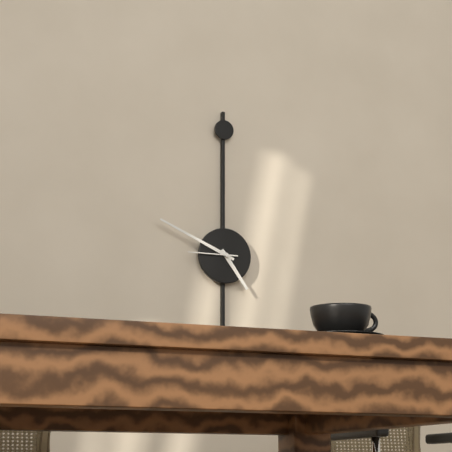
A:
**4:49**
